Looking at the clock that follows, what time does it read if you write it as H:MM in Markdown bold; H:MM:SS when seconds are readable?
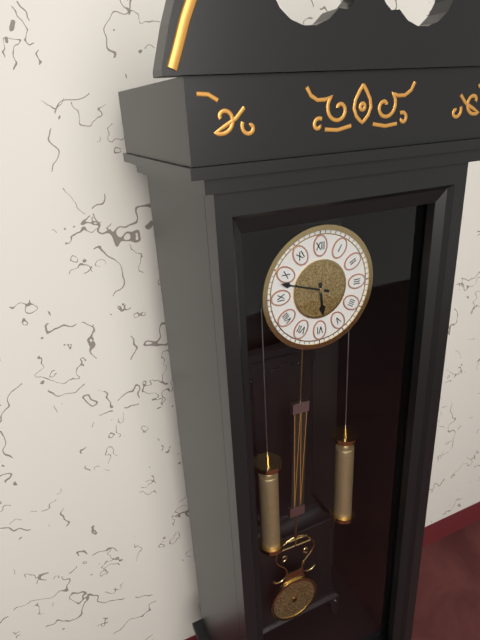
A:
**5:48**
